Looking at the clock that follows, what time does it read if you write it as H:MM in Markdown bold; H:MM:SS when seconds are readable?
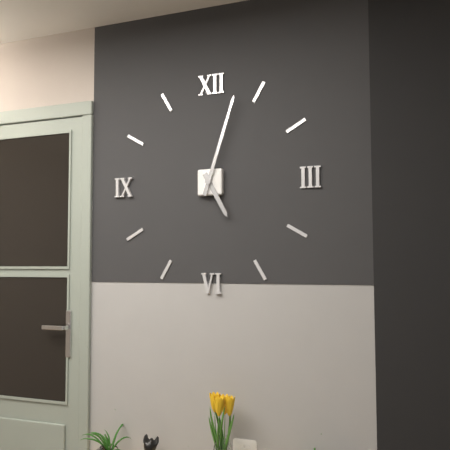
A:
**5:03**
